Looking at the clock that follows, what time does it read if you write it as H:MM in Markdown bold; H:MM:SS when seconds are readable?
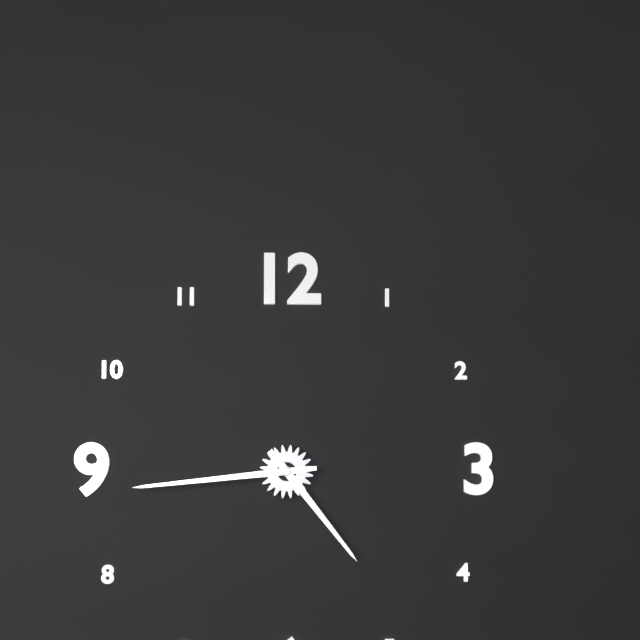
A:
**4:44**
